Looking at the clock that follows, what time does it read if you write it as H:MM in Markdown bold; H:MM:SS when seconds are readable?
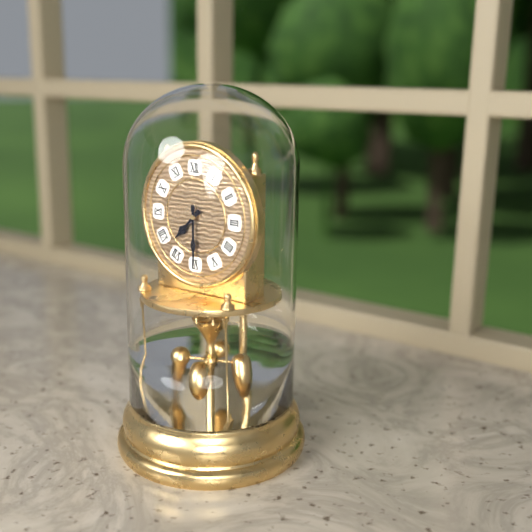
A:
**7:30**
